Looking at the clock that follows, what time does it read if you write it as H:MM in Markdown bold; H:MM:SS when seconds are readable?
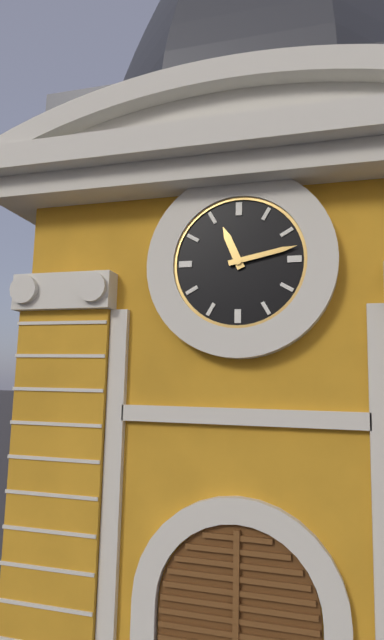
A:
**11:13**
